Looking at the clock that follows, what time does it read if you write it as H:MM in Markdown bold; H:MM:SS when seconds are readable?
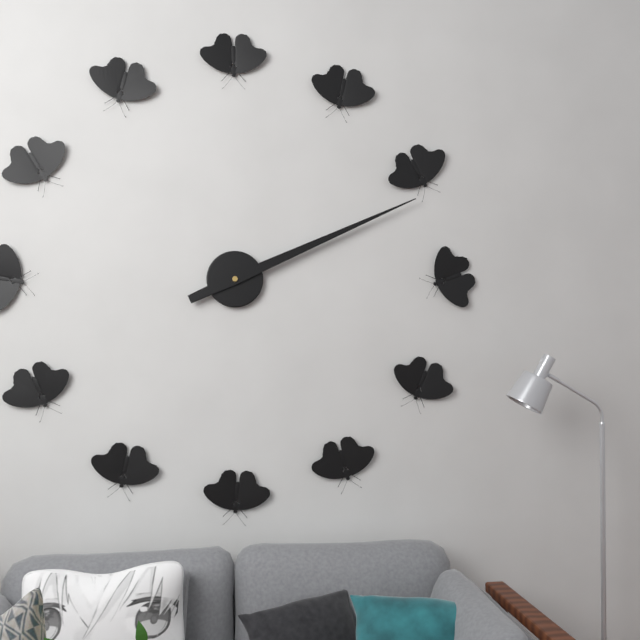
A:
**2:11**
